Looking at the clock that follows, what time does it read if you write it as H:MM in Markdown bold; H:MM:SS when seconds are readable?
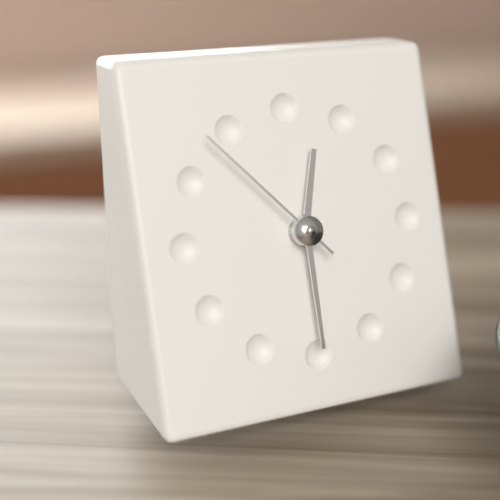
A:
**12:30:53**
